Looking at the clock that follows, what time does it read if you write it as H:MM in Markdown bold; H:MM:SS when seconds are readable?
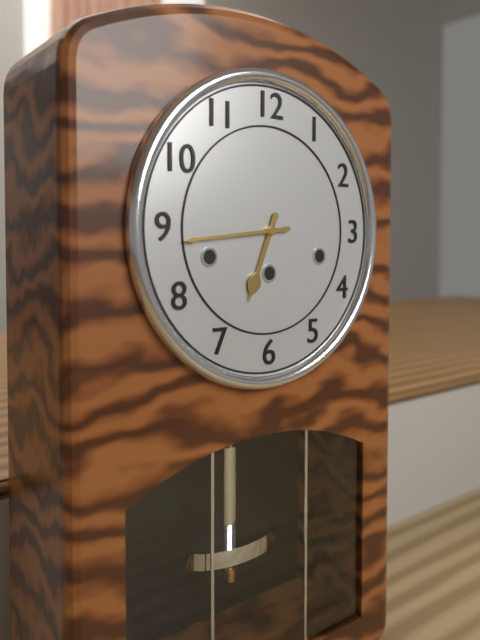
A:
**6:44**
